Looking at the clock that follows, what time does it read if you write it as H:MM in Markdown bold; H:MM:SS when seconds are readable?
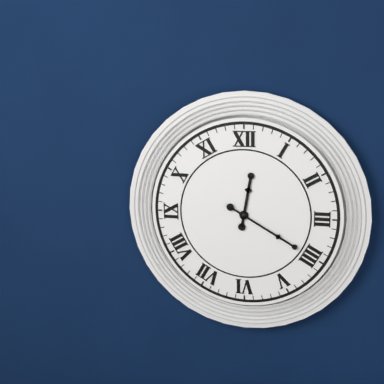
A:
**12:20**
